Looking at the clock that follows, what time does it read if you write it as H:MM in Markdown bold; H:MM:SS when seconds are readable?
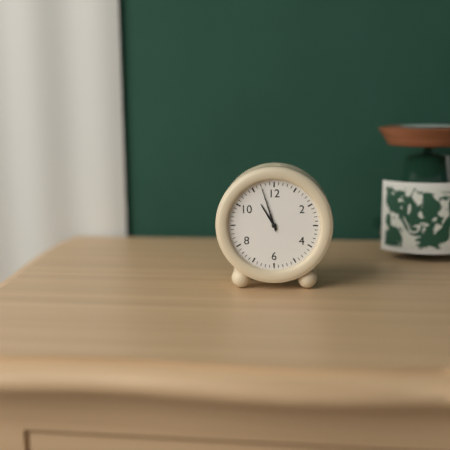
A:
**10:57**
